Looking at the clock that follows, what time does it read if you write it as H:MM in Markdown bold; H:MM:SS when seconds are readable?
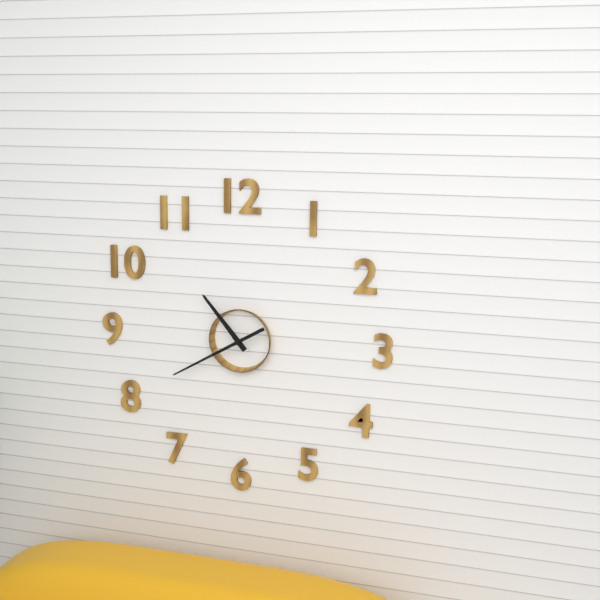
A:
**10:40**
